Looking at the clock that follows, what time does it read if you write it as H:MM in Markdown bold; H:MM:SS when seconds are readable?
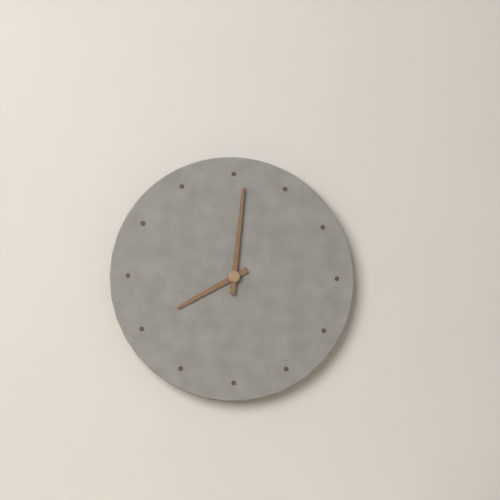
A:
**8:01**
